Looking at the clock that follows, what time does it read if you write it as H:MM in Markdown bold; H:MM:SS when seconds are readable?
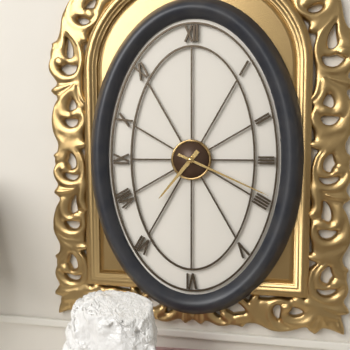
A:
**7:19**
